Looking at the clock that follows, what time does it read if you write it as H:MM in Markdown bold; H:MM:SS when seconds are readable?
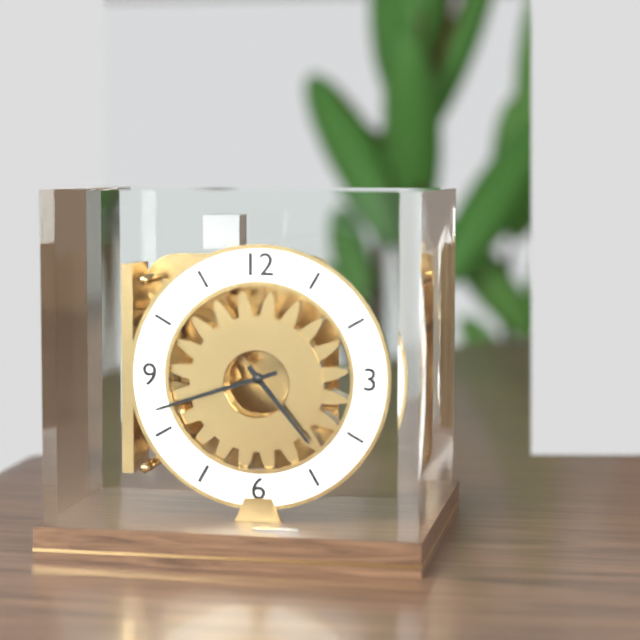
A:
**4:42**
